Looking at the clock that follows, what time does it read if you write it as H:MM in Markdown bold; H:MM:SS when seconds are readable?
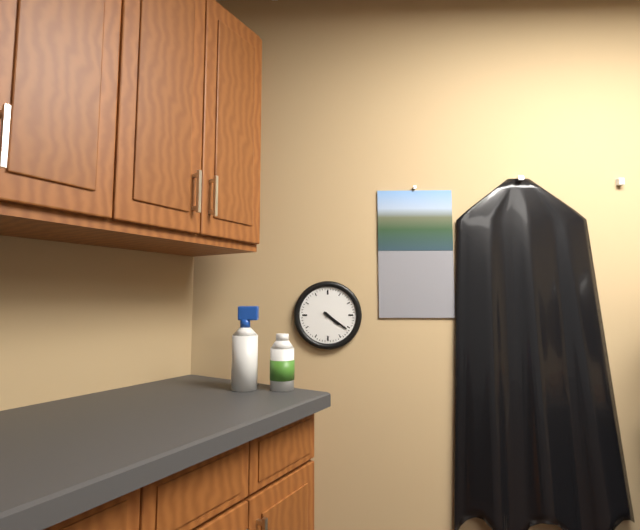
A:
**4:21**
